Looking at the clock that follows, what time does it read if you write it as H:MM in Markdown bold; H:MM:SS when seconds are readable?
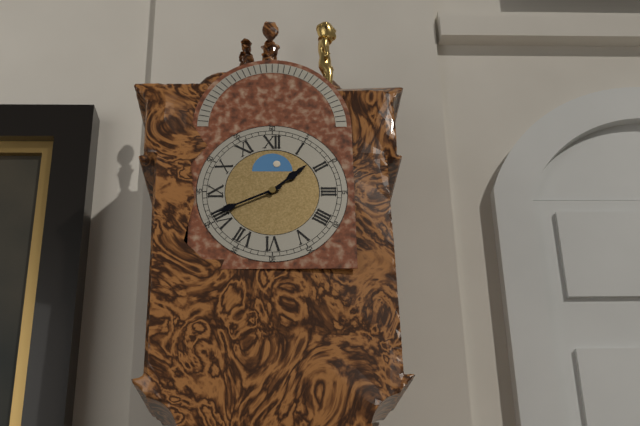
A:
**1:41**
